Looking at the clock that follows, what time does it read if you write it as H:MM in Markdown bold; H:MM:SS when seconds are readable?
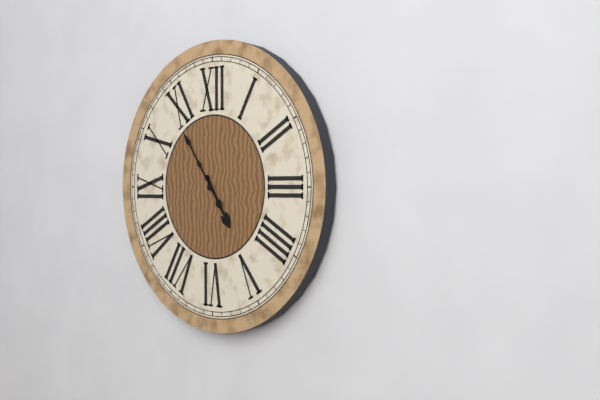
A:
**4:54**
